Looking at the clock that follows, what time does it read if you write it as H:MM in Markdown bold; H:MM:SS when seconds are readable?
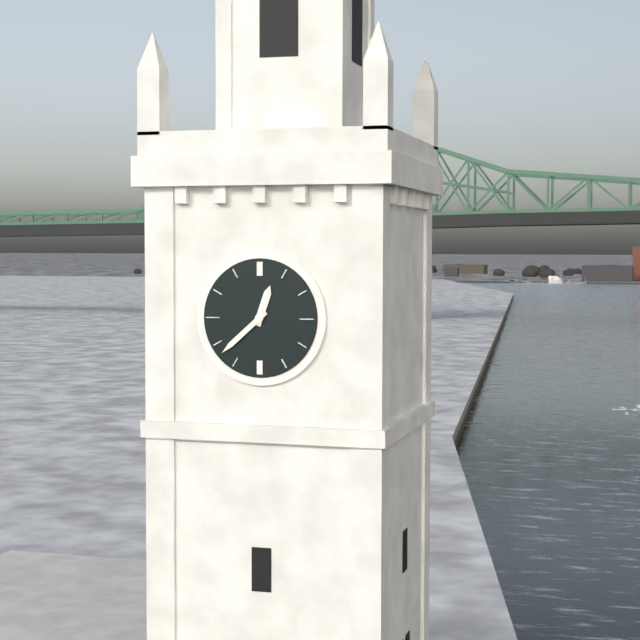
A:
**12:38**
